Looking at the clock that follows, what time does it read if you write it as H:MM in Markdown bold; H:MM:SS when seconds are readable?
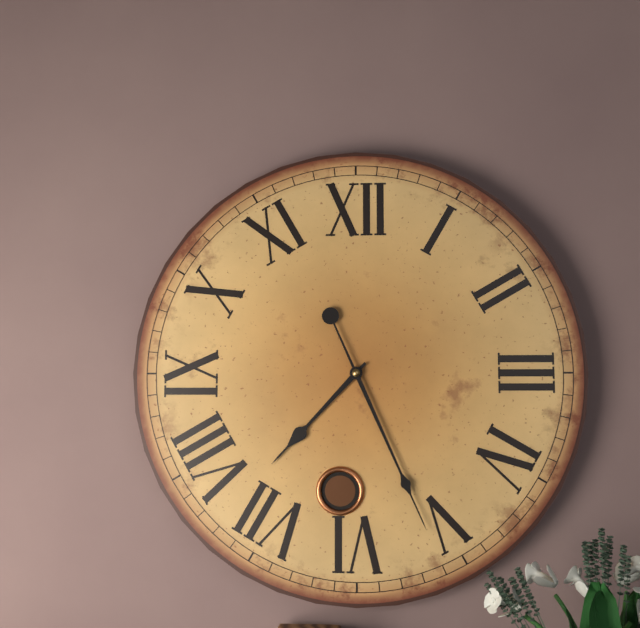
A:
**7:26**
